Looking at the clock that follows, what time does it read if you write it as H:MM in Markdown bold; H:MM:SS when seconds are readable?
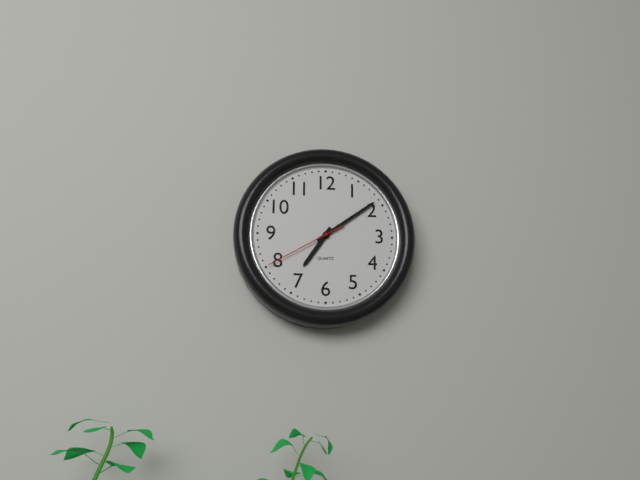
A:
**7:09:40**
